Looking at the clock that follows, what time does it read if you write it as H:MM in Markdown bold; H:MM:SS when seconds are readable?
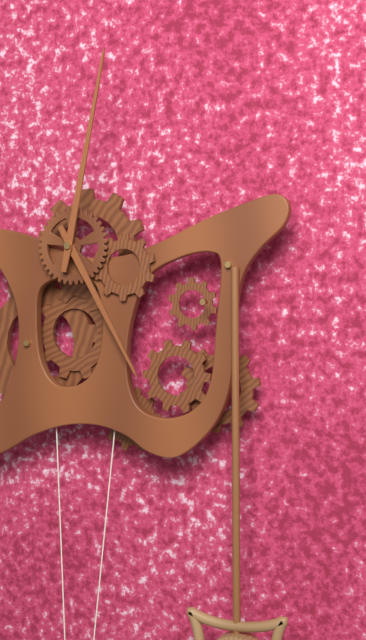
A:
**5:02**
